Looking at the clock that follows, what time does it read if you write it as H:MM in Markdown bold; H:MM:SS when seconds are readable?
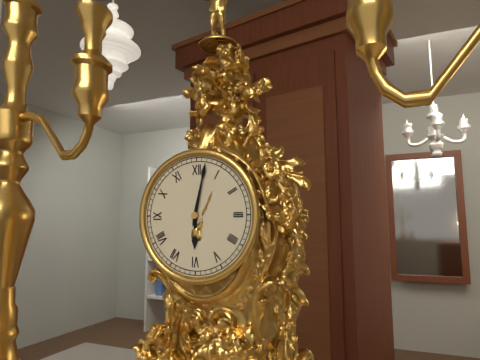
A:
**6:02**
